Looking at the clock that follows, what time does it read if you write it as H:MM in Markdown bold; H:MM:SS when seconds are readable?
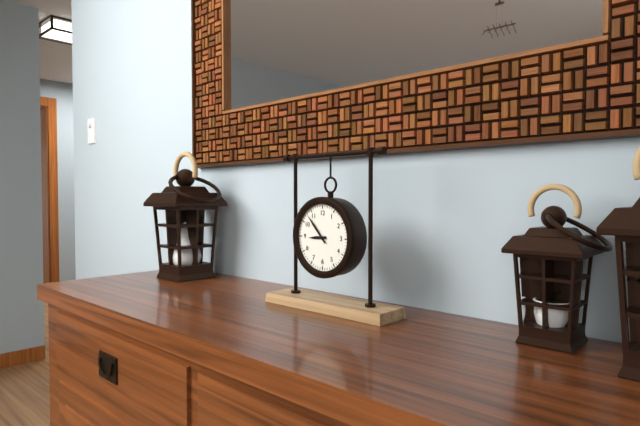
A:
**8:53**
